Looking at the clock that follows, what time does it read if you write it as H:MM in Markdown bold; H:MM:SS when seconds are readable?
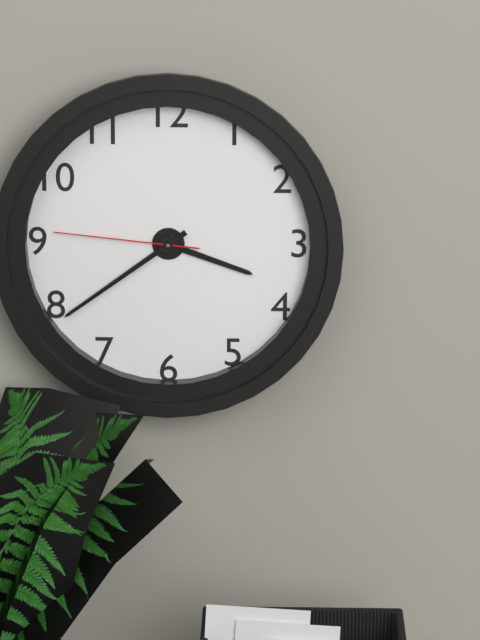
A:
**3:39:46**
